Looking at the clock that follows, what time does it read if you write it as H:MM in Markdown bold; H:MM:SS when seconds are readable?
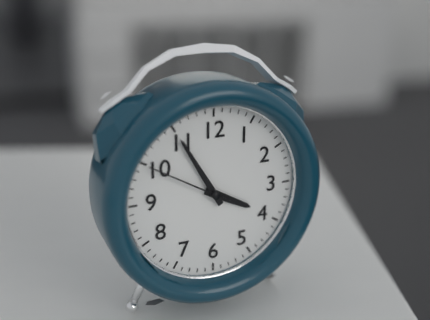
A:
**3:55:50**
